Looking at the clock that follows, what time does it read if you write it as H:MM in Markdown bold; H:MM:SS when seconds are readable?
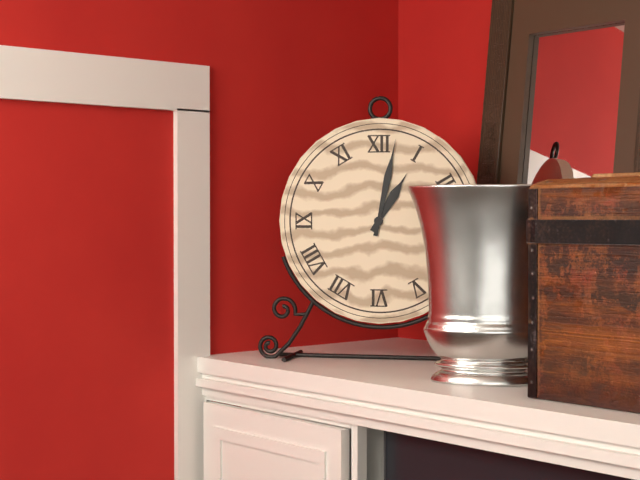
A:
**1:02**
